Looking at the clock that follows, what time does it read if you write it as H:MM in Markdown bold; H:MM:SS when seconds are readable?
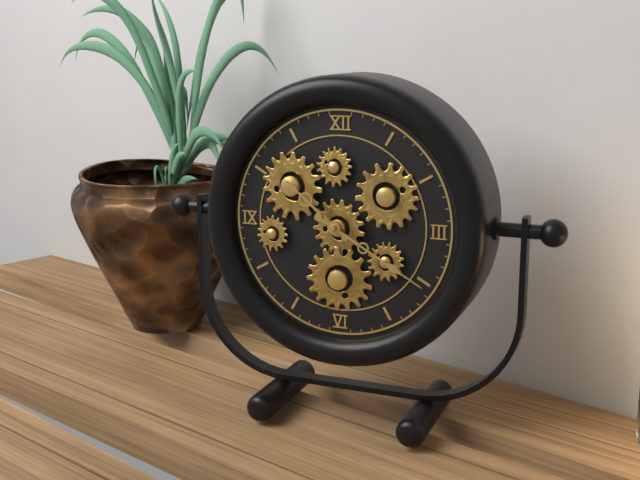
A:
**10:20**
